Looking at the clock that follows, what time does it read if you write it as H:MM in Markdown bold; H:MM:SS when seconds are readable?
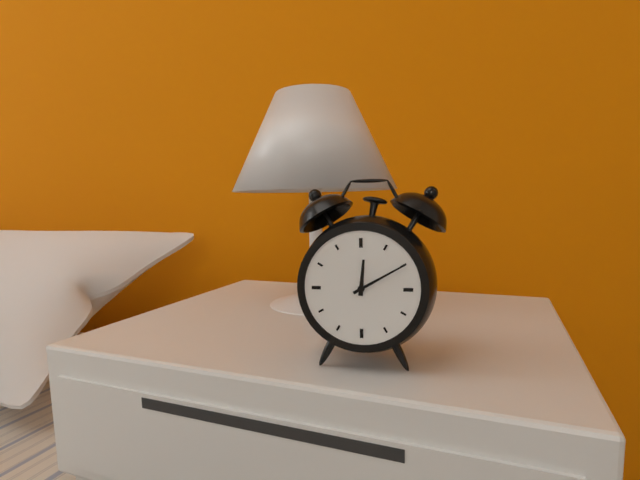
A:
**12:10**
